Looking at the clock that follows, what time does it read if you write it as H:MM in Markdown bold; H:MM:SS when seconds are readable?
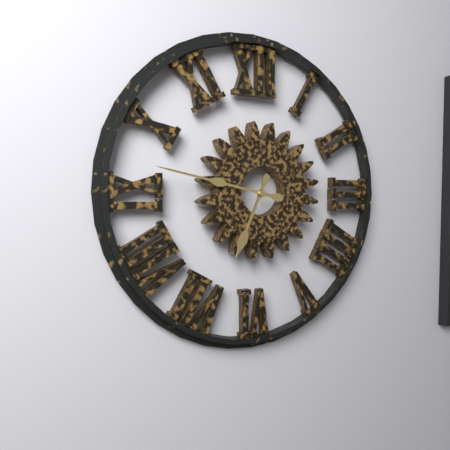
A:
**6:47**
